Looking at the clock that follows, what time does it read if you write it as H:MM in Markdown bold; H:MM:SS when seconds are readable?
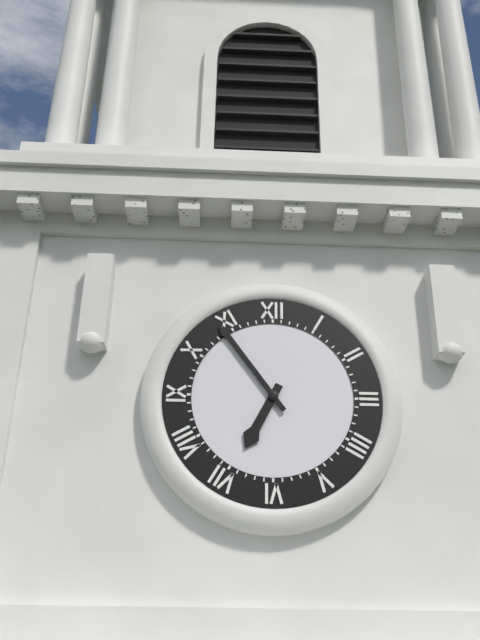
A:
**6:54**
